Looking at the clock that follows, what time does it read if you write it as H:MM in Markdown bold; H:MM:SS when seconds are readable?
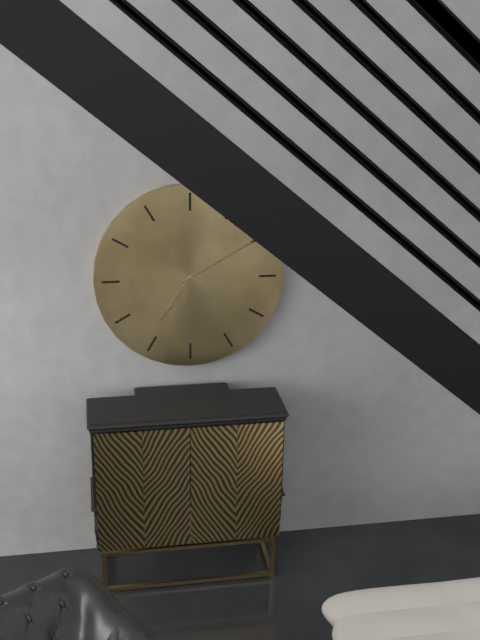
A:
**7:10**
